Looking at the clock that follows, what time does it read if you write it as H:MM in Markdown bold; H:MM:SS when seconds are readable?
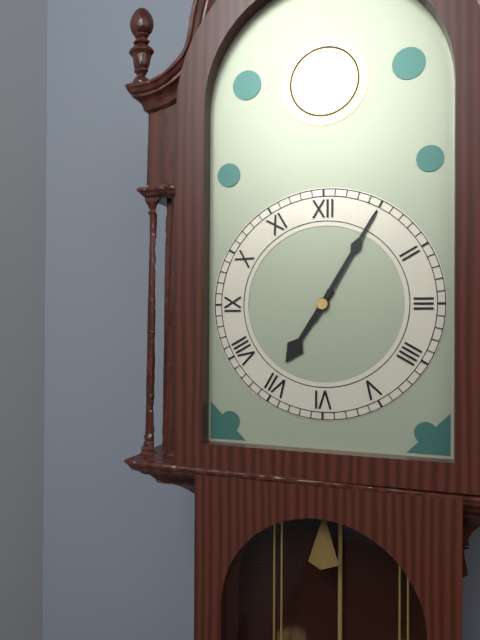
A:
**7:05**
